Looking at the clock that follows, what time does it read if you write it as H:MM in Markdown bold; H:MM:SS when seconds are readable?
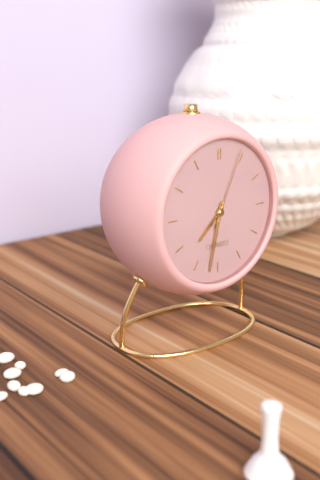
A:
**7:32:04**
